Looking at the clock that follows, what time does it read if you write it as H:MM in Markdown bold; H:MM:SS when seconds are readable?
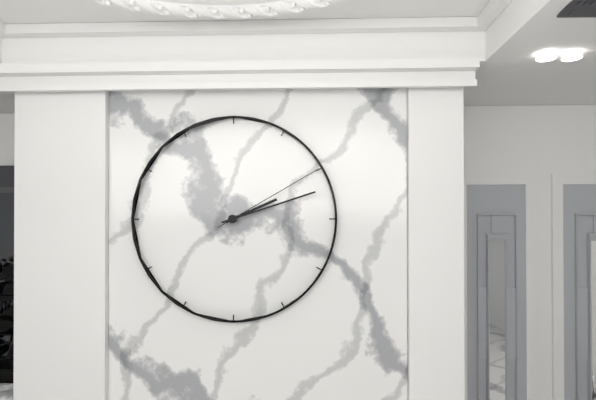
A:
**2:12:10**
